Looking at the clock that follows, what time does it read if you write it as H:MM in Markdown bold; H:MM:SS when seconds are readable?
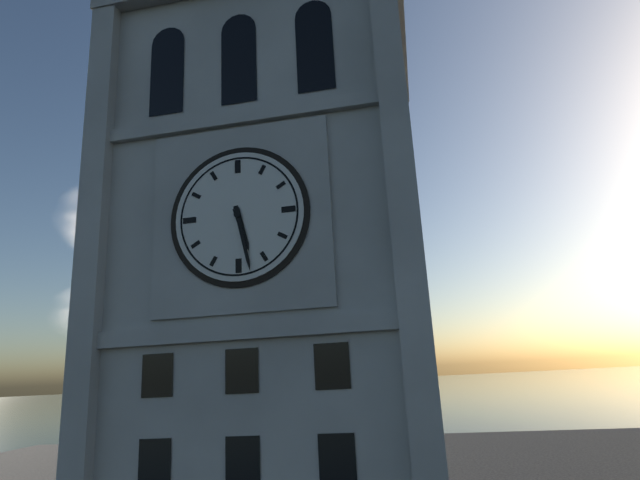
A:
**5:28**
